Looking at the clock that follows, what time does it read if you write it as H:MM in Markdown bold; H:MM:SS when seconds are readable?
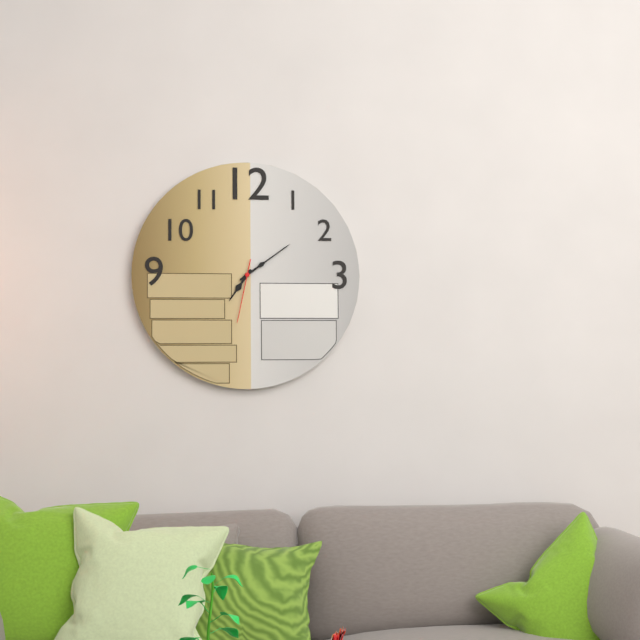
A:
**7:09:32**
